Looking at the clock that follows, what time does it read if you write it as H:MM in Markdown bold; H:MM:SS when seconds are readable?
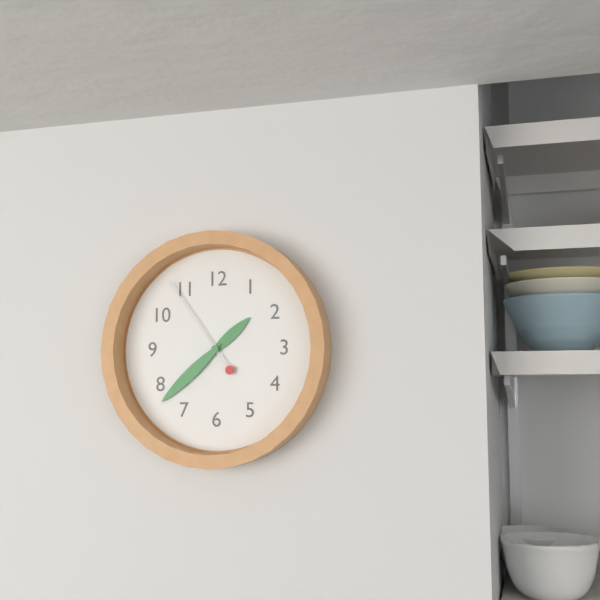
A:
**1:38:54**
